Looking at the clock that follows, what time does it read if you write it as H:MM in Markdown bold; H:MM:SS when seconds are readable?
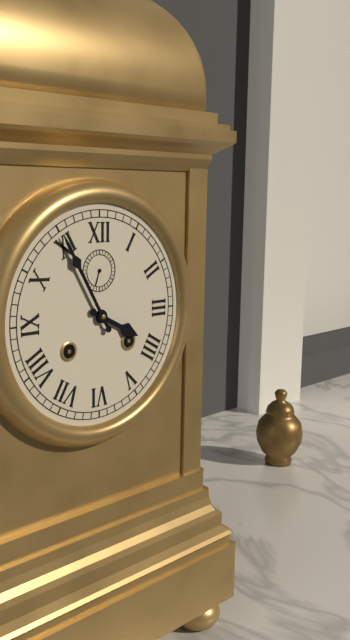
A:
**3:55**
